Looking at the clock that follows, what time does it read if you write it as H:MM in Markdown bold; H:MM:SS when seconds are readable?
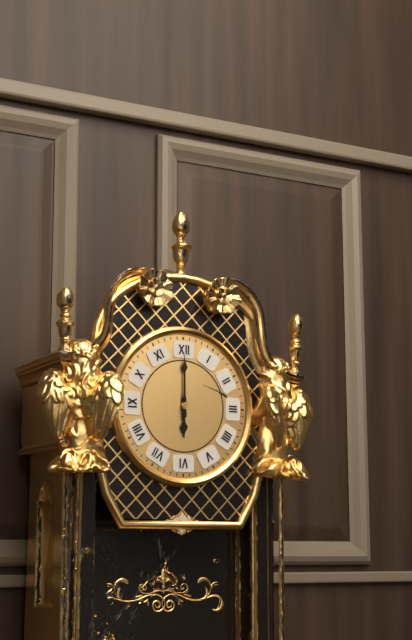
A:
**6:00**
